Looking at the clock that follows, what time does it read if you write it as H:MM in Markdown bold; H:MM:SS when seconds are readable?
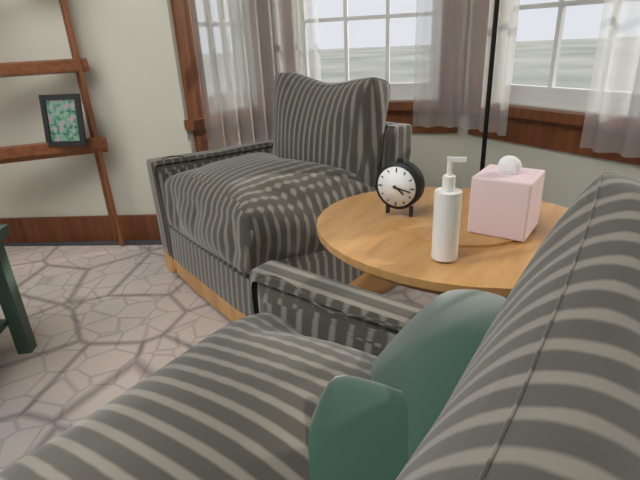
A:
**4:17**
